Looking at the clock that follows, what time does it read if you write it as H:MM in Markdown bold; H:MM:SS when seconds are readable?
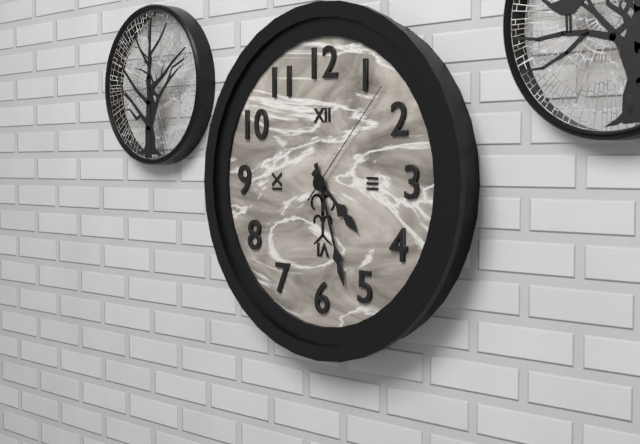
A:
**4:27:07**
